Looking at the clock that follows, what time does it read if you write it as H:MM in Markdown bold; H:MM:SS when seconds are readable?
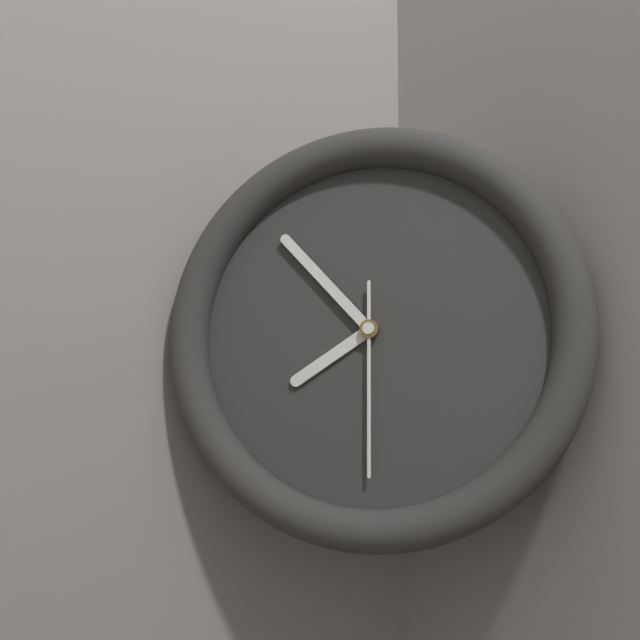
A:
**7:53:30**
